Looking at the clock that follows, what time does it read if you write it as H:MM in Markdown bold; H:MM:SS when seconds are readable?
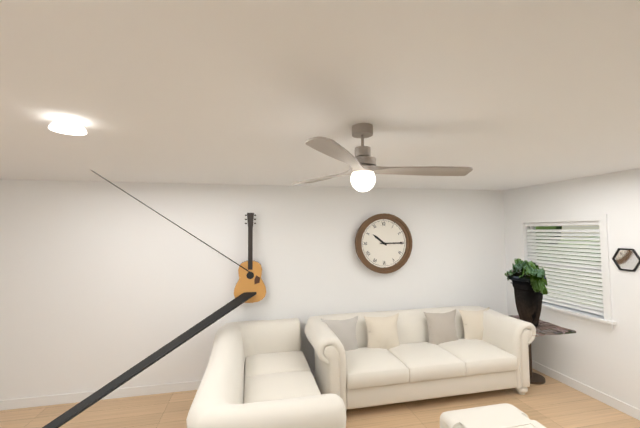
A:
**10:15**
